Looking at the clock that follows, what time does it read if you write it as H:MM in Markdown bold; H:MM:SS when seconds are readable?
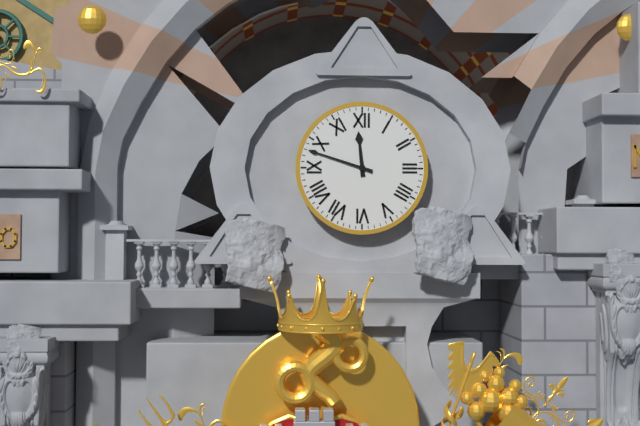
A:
**11:48**
